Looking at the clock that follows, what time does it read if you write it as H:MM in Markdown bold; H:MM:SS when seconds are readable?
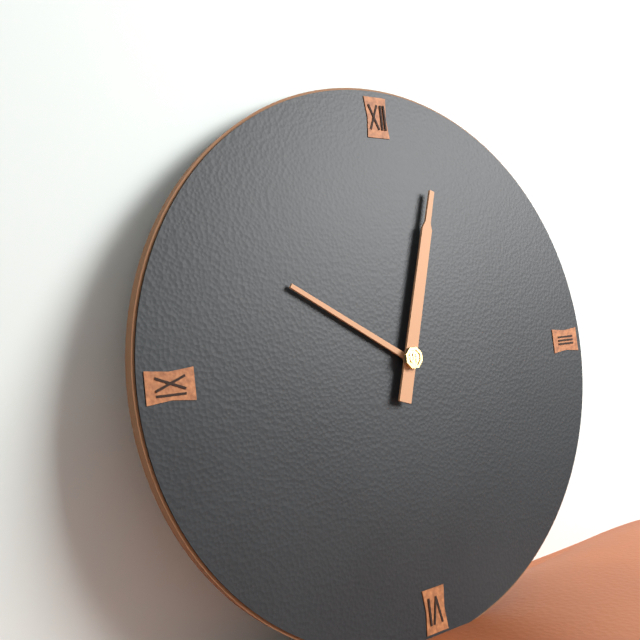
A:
**10:03**
